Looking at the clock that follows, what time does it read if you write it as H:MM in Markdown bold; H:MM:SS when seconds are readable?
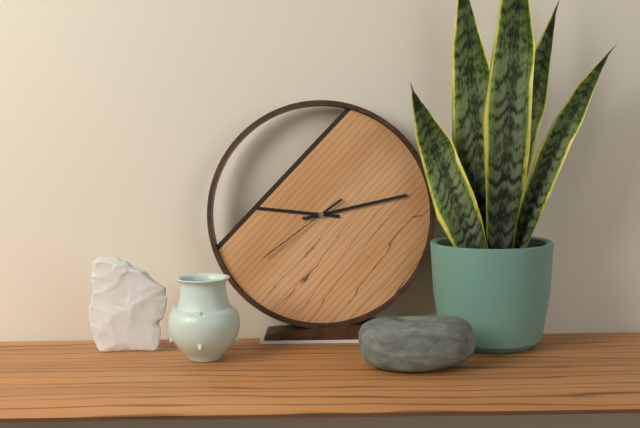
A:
**9:13:39**
